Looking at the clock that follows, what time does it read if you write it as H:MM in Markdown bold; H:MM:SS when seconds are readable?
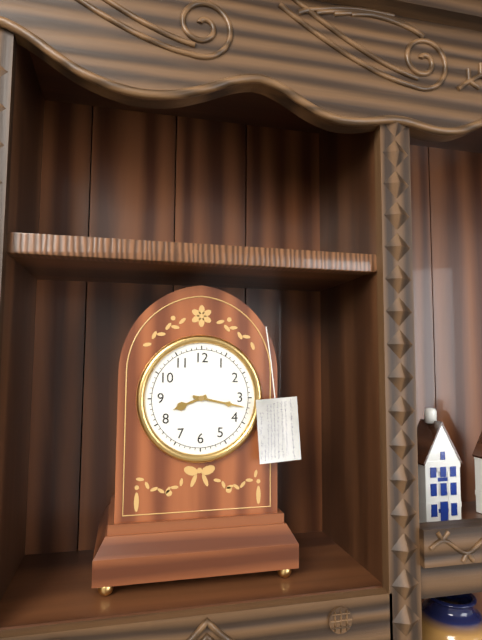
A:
**8:17**
